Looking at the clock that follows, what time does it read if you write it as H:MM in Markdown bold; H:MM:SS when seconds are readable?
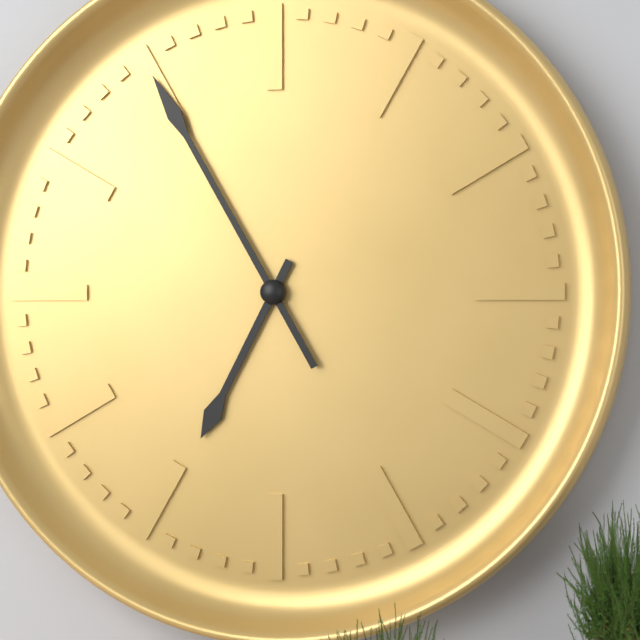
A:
**6:55**
